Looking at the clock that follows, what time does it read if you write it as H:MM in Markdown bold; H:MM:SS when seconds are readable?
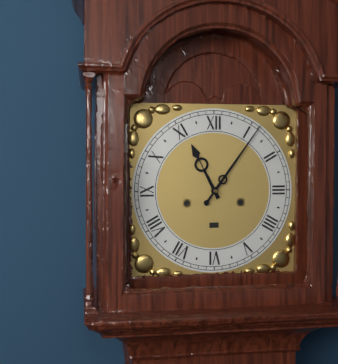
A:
**11:06**
